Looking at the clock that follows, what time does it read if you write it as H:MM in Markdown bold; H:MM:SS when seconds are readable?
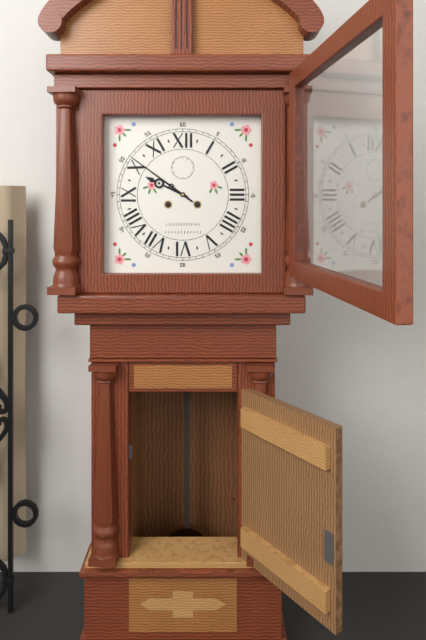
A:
**9:51**
